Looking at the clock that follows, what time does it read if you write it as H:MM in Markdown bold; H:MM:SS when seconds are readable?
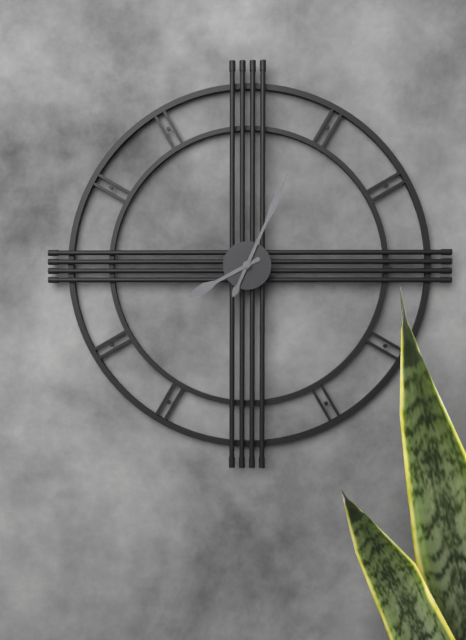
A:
**8:04**
